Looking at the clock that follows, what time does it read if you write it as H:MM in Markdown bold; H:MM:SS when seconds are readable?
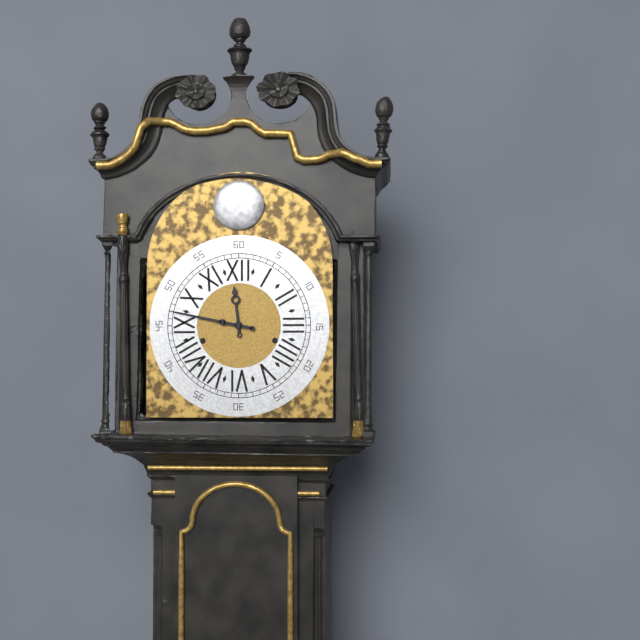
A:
**11:47**
